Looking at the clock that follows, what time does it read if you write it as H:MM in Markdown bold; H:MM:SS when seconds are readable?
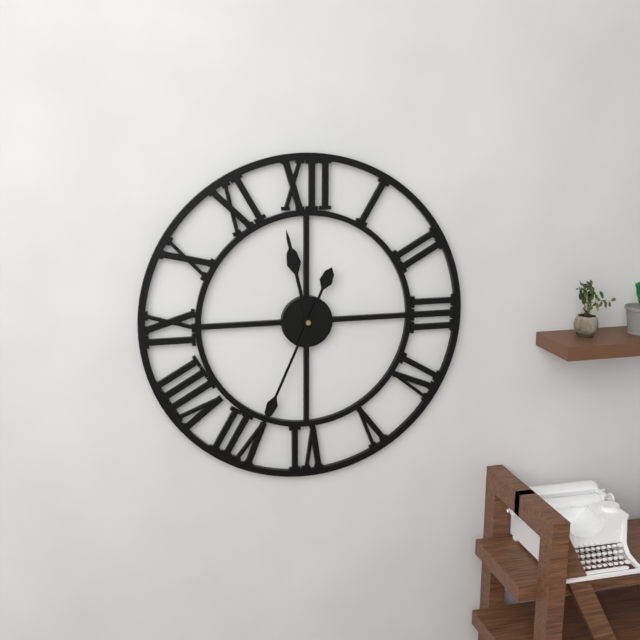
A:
**11:34**
